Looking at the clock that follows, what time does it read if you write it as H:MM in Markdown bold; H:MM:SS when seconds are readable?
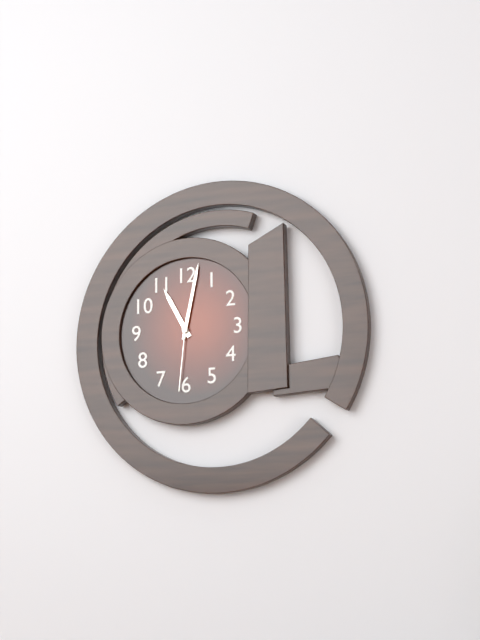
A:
**11:02:31**
